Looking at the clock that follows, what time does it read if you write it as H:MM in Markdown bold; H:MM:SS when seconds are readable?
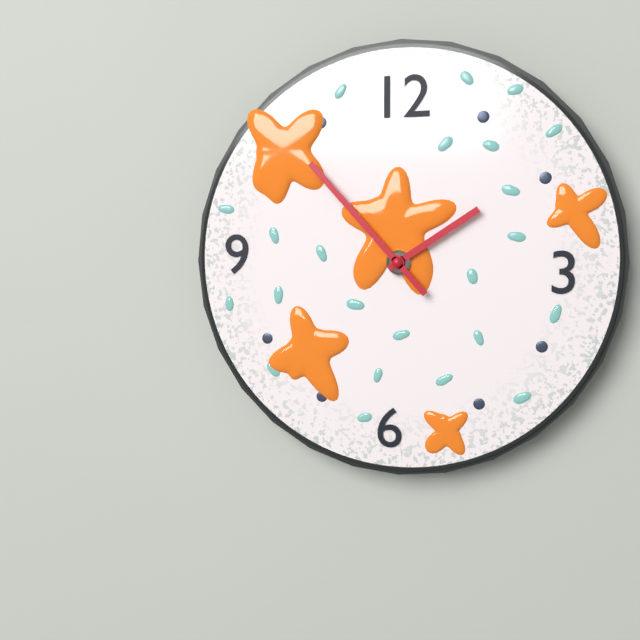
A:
**1:53**
